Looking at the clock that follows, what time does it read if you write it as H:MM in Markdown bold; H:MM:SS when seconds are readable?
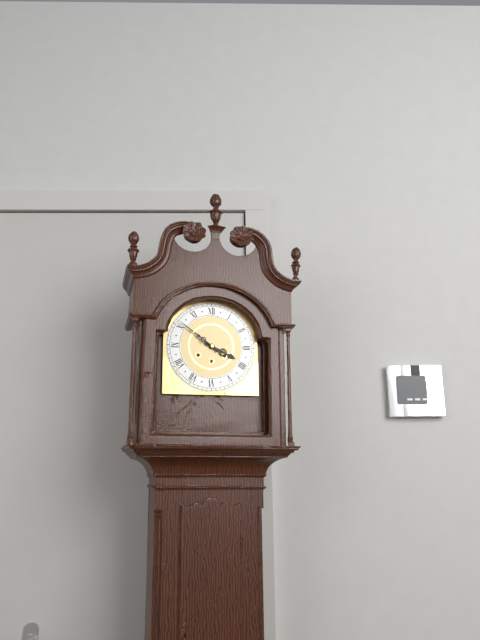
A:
**3:51**
